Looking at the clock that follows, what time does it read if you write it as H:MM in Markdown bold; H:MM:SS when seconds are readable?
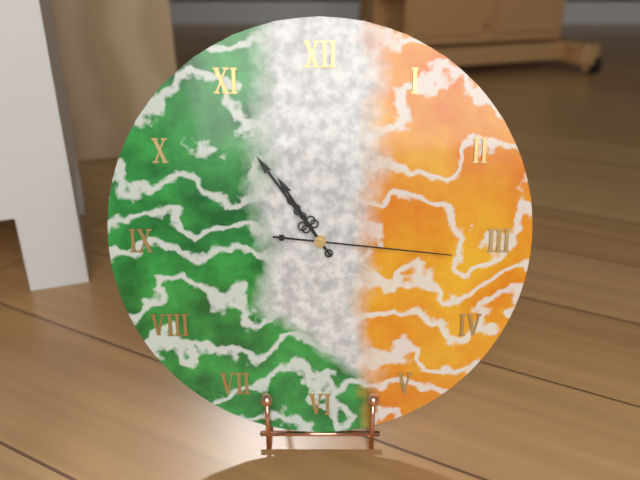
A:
**10:54:16**
